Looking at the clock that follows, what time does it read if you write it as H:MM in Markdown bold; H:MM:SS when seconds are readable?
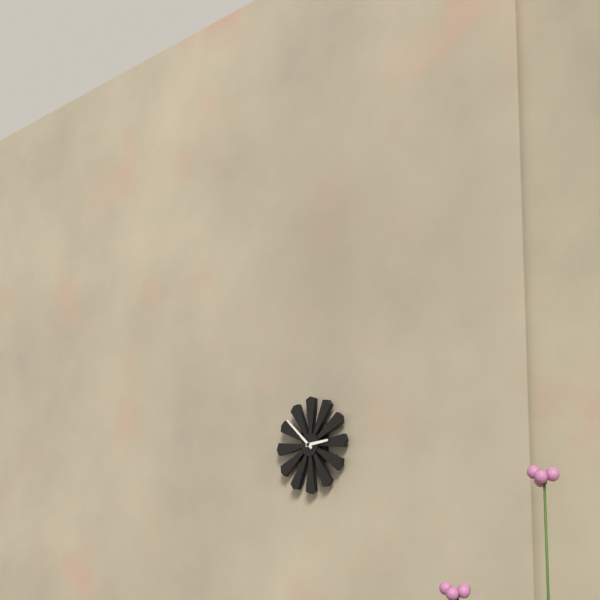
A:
**2:52**
